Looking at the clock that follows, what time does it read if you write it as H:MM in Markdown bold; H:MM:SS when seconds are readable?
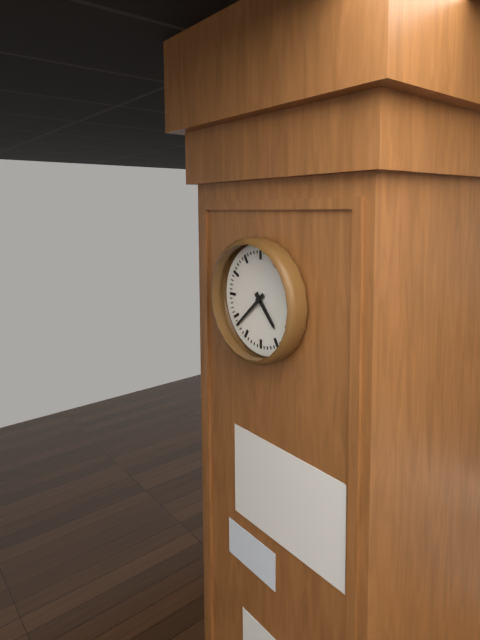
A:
**4:38**
